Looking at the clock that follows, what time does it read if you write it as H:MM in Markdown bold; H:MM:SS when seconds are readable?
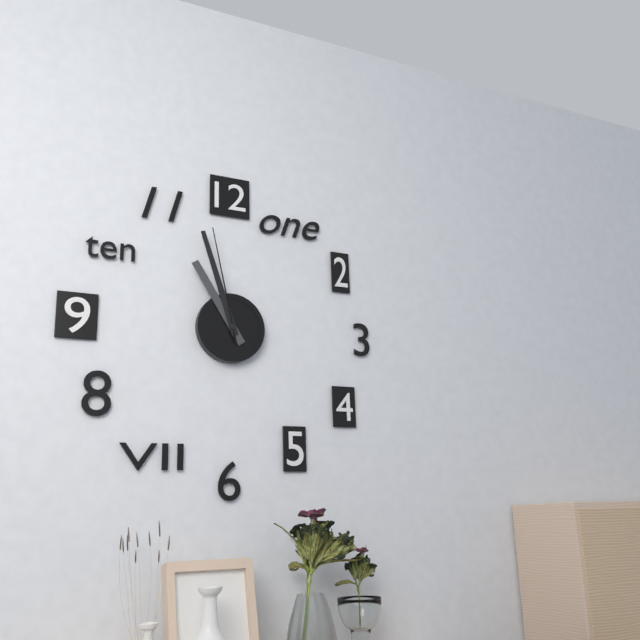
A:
**10:57:58**
